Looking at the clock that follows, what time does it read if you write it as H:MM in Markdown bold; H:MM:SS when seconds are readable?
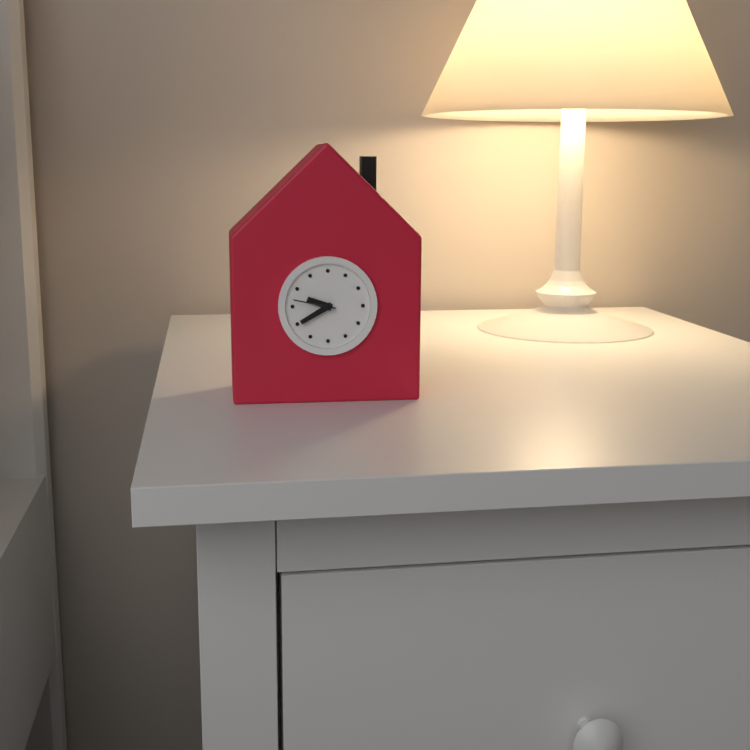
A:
**9:40**
